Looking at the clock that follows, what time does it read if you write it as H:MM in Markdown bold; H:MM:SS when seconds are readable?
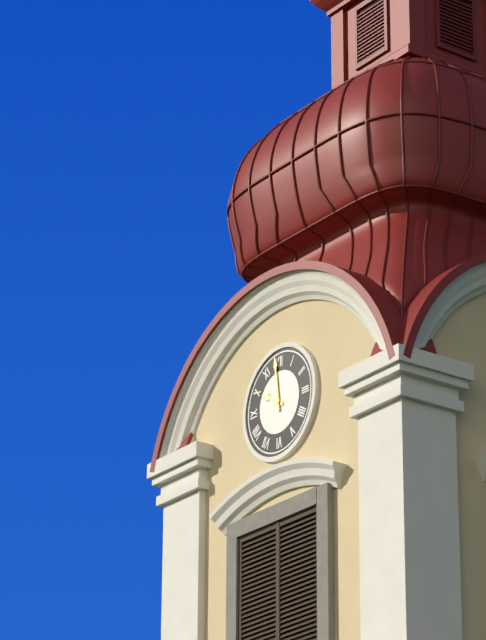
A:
**9:59**
